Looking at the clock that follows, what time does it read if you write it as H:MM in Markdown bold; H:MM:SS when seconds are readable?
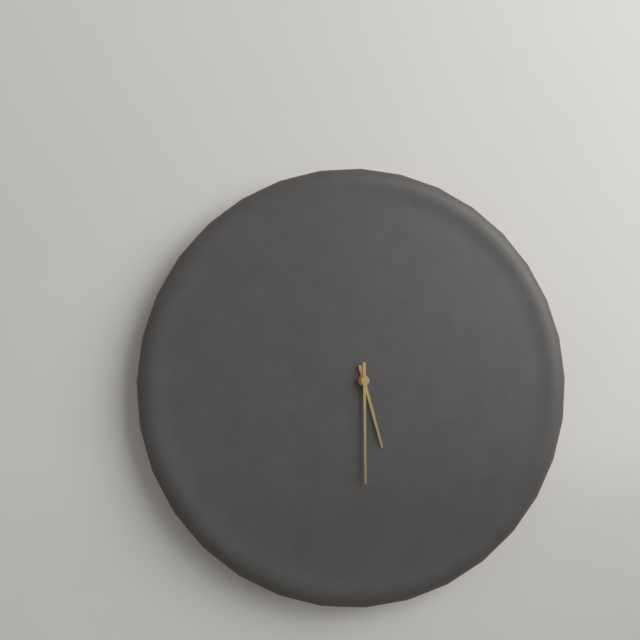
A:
**5:30**
